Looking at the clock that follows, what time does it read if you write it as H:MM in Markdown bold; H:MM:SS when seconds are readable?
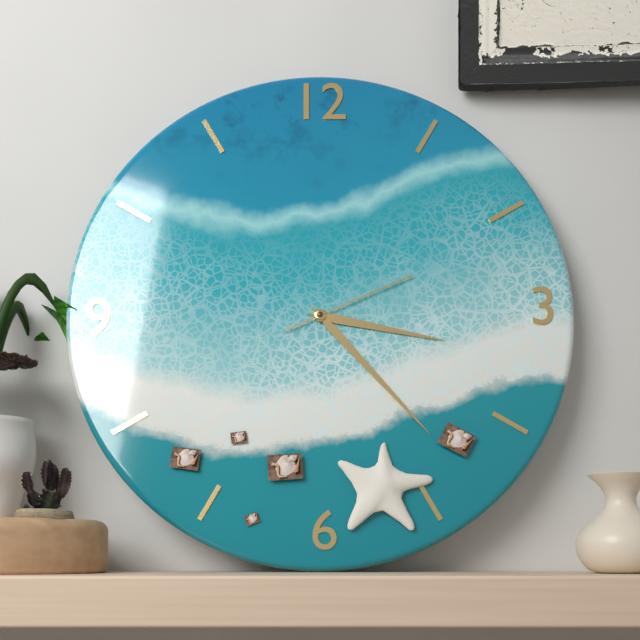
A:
**3:23:11**
